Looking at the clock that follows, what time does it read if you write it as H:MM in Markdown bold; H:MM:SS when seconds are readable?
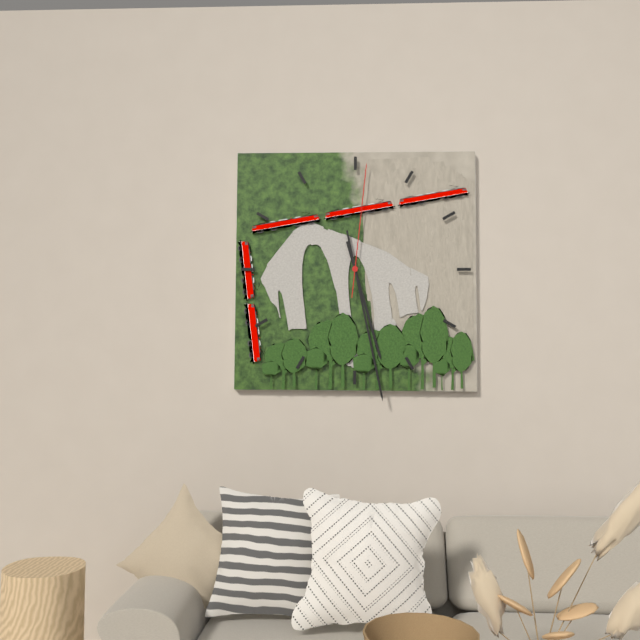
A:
**5:28:01**
